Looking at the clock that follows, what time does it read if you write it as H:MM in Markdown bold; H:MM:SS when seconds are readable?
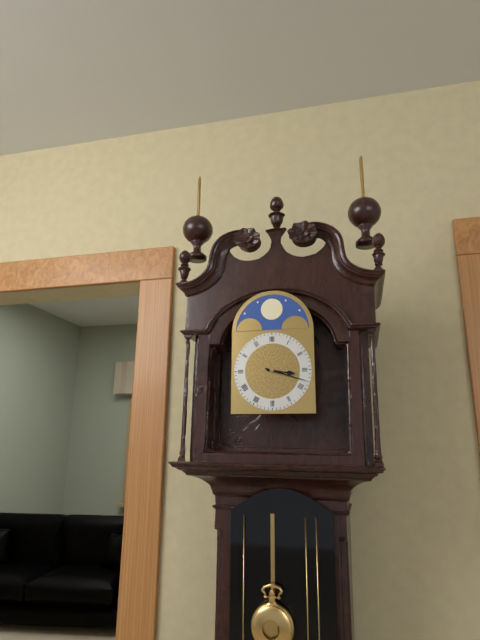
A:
**3:18**
